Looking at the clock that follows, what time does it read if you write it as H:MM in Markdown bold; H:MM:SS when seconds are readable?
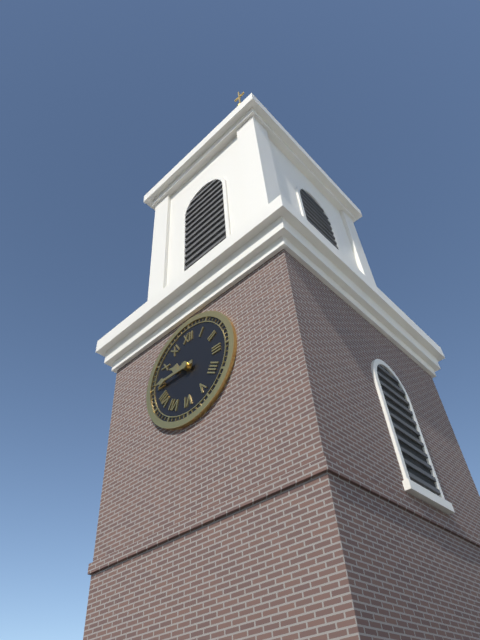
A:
**9:45**
